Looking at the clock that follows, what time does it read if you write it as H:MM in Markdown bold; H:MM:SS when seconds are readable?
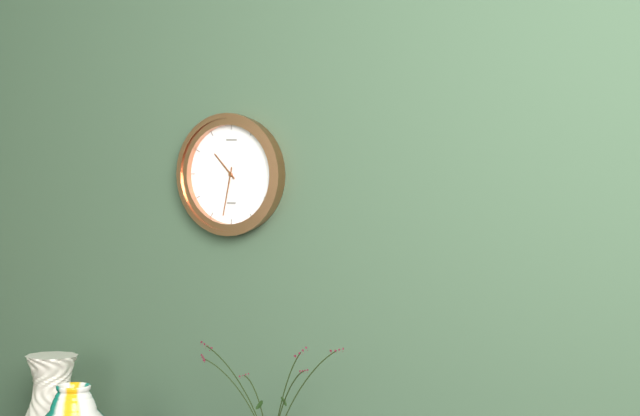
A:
**10:32**
